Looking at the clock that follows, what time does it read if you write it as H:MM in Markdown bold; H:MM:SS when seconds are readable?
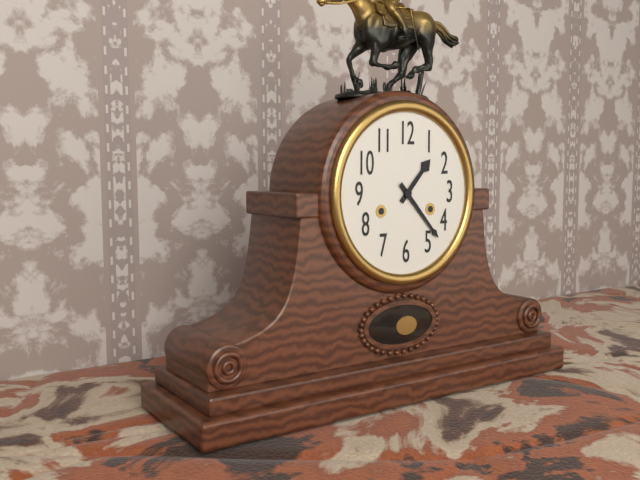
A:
**1:23**
